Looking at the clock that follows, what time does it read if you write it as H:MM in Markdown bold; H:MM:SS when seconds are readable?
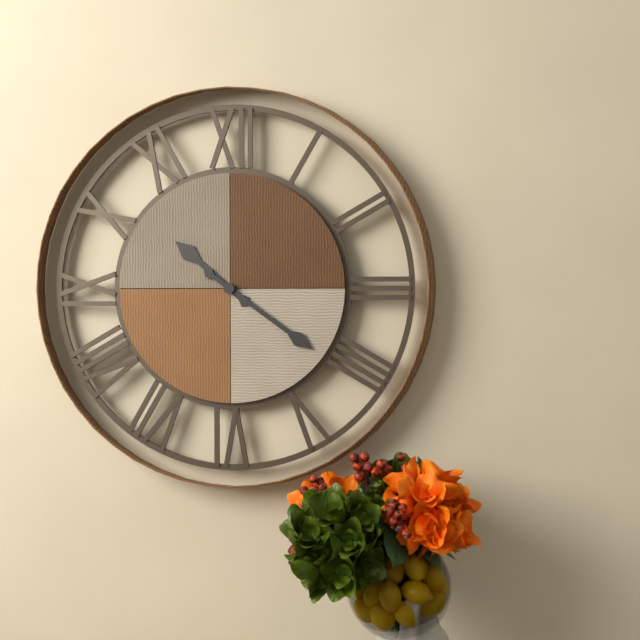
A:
**10:21**
